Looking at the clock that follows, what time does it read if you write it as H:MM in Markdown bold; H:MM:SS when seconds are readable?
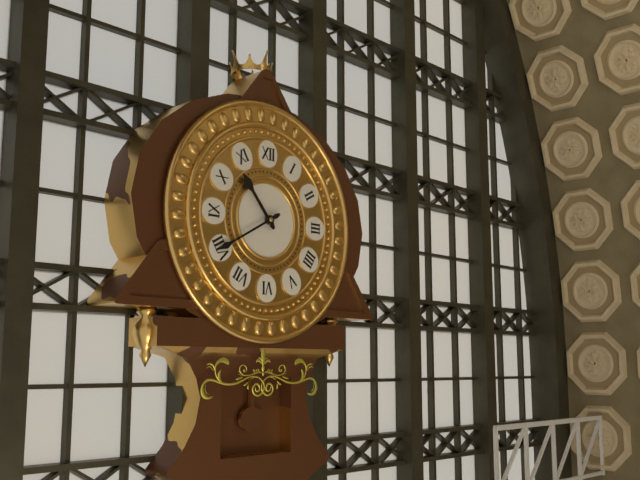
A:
**10:40**
